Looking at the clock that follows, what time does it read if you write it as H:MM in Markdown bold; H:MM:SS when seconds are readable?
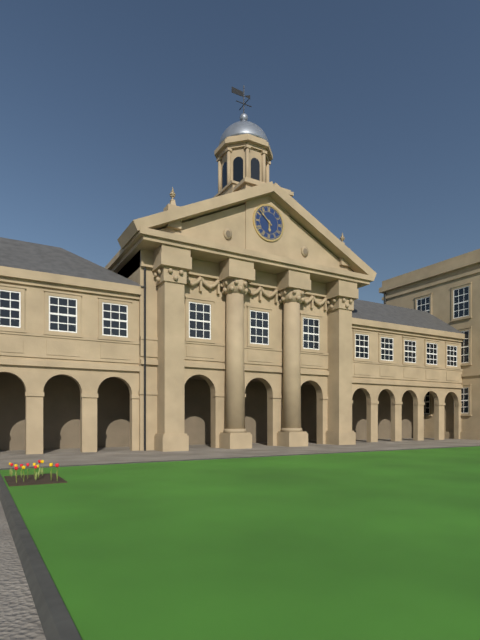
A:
**5:52**
